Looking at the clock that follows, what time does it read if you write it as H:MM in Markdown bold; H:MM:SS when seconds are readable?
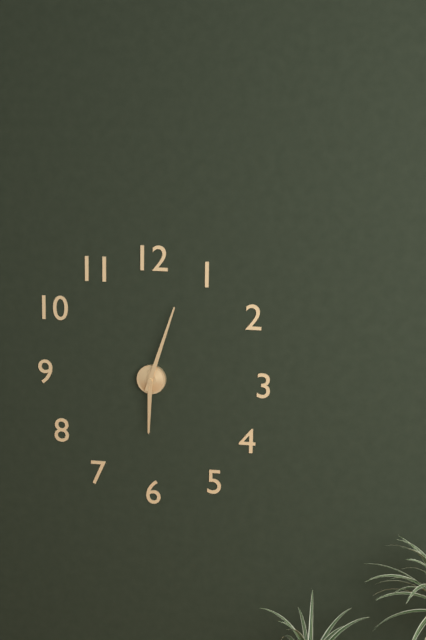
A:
**6:03**
